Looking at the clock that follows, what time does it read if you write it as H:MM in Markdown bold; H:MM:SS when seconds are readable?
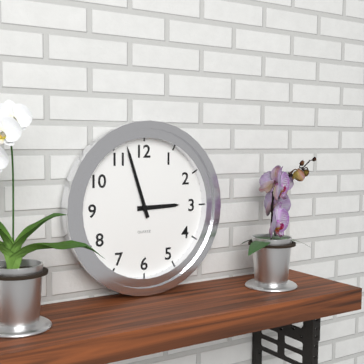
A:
**2:57**
